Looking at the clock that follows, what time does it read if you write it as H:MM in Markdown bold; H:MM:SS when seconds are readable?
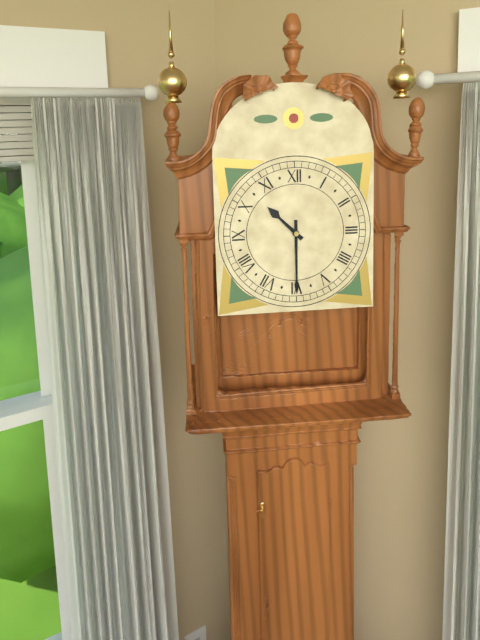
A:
**10:30**
